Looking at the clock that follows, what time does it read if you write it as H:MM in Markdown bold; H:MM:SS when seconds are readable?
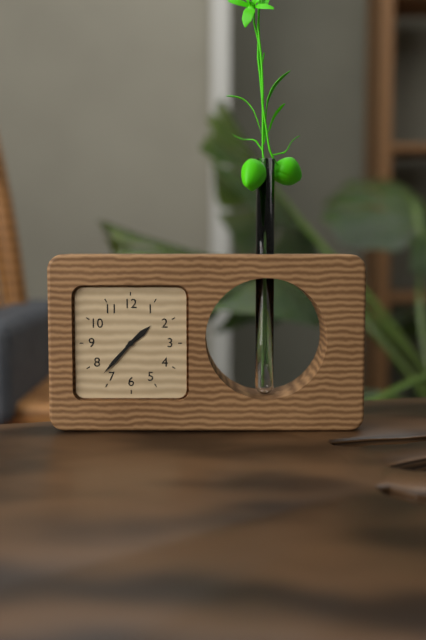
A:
**1:37**
